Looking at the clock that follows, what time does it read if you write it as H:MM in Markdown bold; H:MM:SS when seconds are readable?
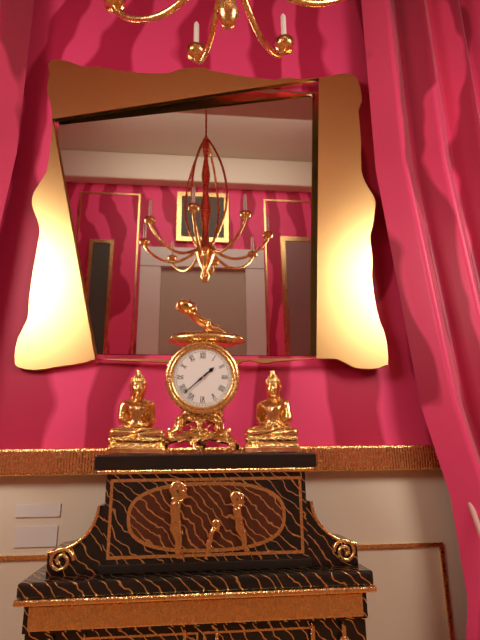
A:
**1:38**
